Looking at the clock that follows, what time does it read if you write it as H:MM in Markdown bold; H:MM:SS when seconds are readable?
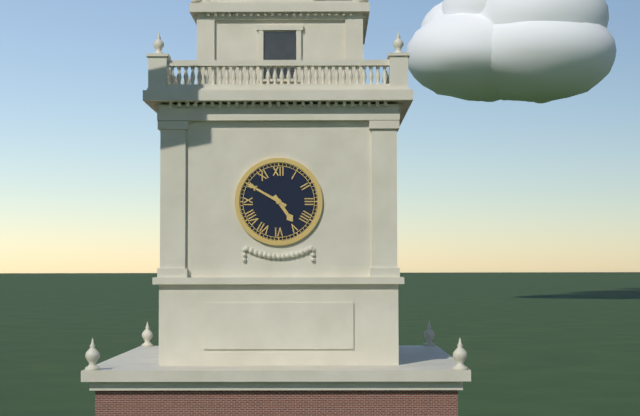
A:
**4:50**
